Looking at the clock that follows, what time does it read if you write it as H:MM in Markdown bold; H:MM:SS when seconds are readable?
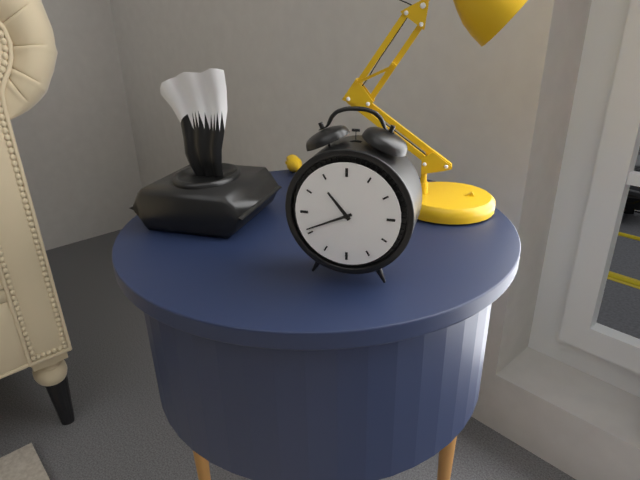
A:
**10:41**
